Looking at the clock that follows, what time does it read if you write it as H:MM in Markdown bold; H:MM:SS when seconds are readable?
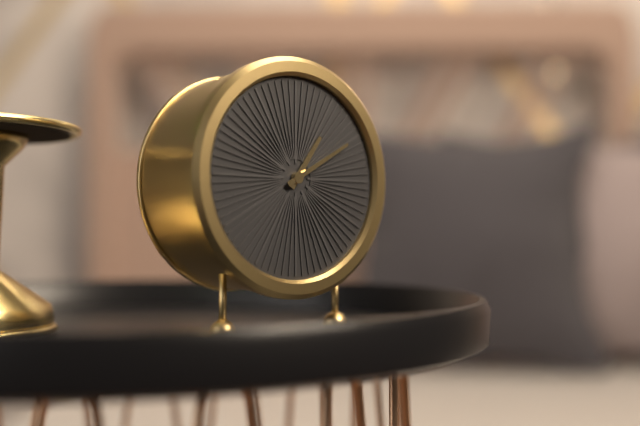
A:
**1:10**
